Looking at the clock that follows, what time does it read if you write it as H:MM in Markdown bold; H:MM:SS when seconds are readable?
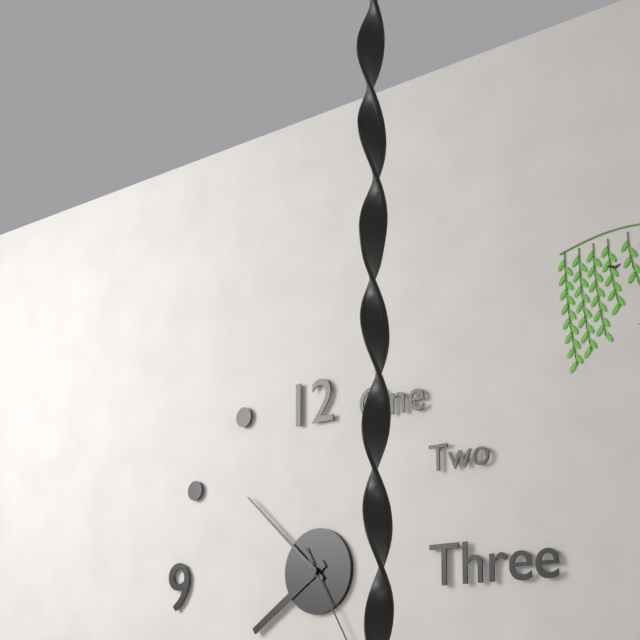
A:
**7:52**
